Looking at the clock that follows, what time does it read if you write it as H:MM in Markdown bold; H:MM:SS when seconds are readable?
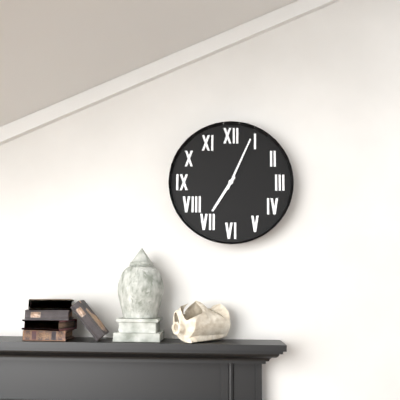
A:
**7:04**
